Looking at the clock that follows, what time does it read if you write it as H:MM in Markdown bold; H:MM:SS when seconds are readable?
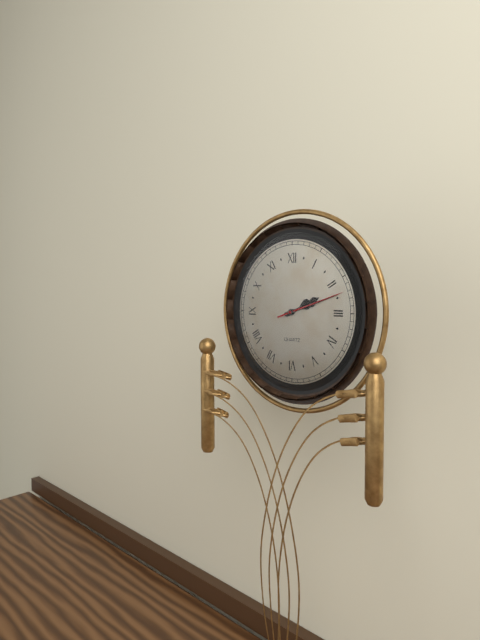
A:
**2:12:12**
